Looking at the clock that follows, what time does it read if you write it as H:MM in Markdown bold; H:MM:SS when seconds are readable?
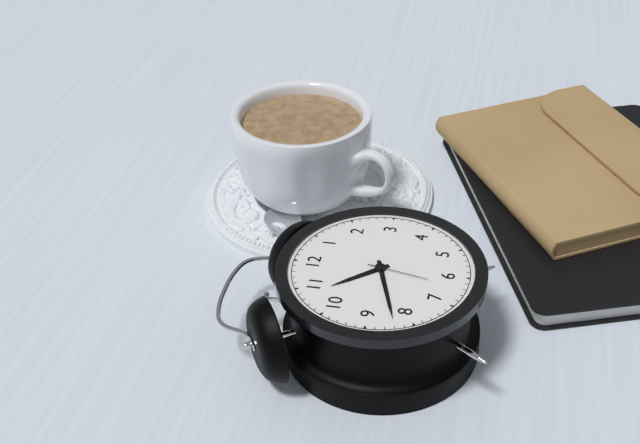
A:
**10:42:32**
